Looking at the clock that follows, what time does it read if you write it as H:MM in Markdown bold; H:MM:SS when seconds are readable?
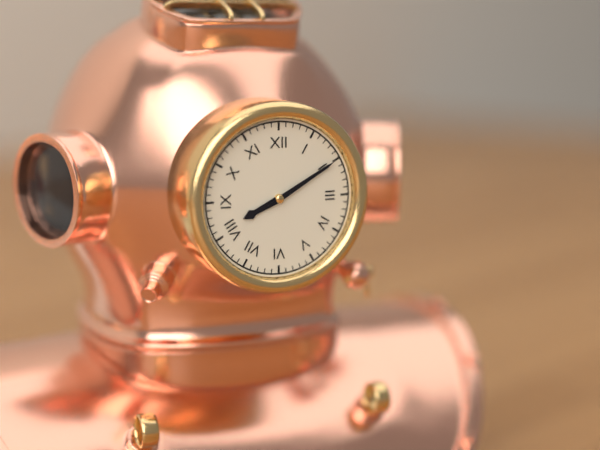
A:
**8:10**
